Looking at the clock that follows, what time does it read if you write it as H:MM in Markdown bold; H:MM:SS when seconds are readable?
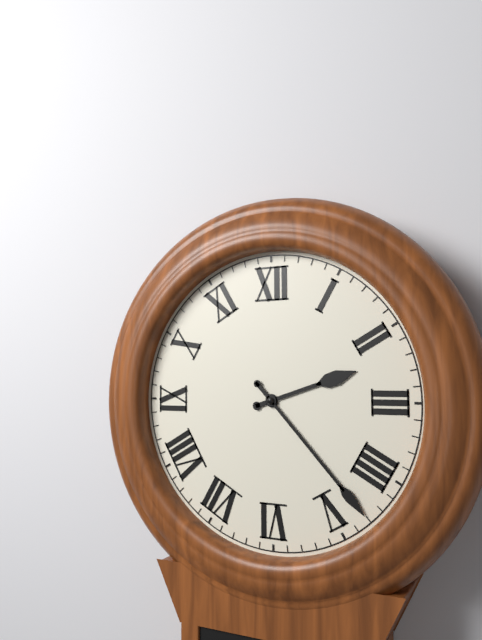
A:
**2:23**
